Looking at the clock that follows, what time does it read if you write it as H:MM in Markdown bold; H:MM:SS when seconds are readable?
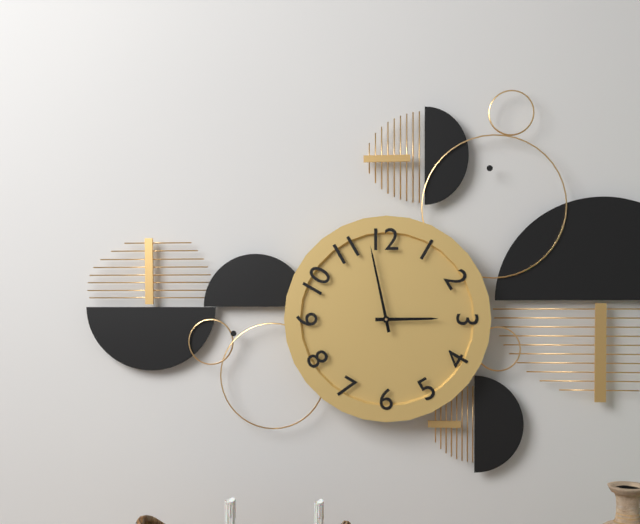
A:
**2:58**
